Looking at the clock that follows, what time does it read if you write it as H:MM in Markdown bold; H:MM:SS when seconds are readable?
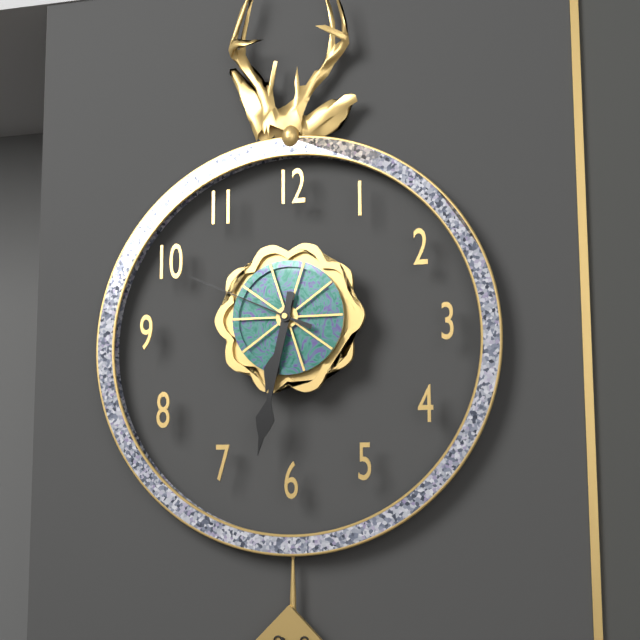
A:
**6:32:49**
